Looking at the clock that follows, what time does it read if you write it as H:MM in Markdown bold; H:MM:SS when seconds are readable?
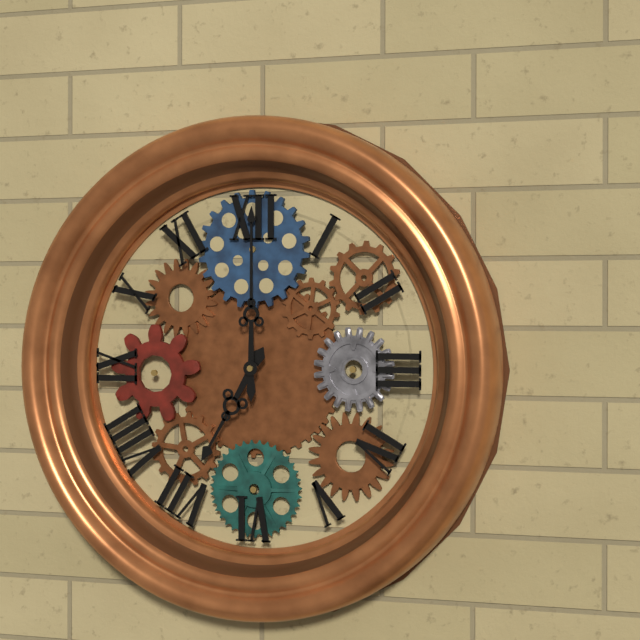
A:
**7:00**
